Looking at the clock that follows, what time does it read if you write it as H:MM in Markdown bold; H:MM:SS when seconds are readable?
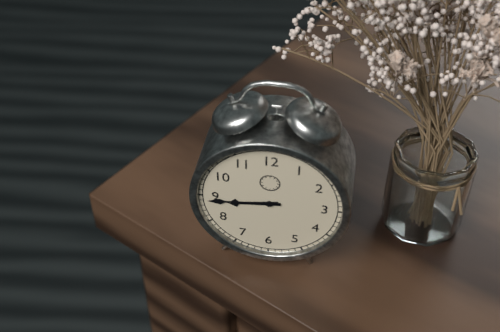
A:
**8:44**
